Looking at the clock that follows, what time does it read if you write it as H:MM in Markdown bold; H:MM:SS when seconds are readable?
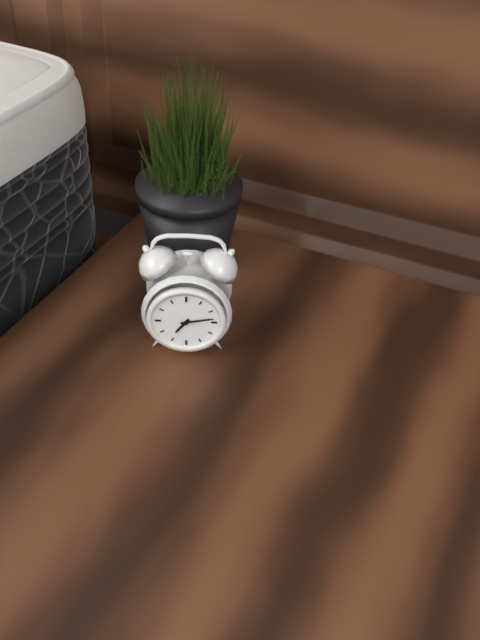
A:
**7:13**
